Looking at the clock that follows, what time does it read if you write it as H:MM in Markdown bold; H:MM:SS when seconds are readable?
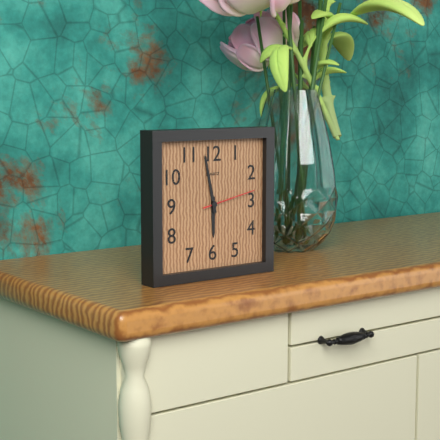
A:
**5:58:13**
